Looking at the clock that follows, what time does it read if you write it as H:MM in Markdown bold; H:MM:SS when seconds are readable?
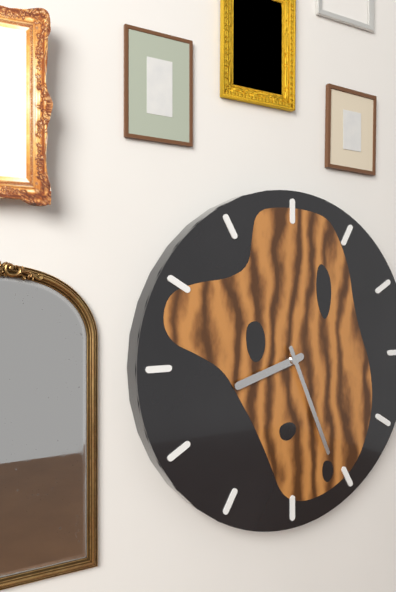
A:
**8:26**
